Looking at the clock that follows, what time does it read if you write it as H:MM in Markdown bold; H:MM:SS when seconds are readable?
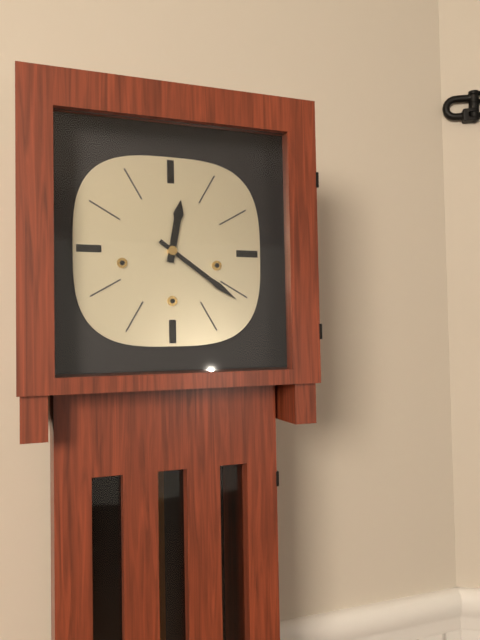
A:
**12:21**
